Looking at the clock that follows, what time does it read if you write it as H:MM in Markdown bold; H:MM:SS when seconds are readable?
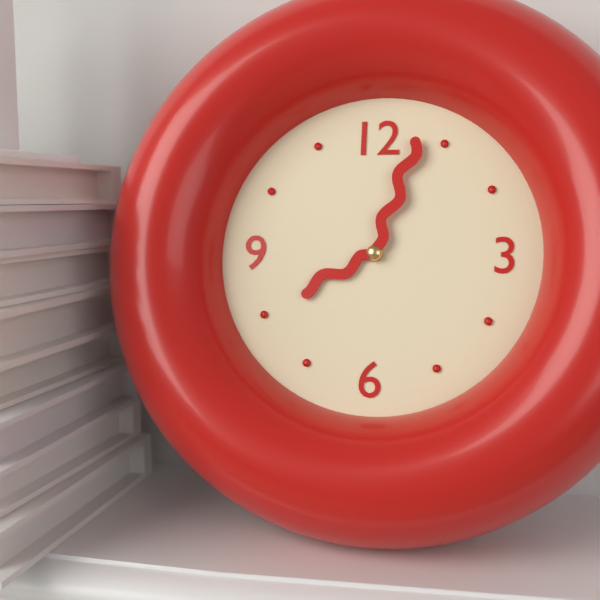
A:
**8:03**
